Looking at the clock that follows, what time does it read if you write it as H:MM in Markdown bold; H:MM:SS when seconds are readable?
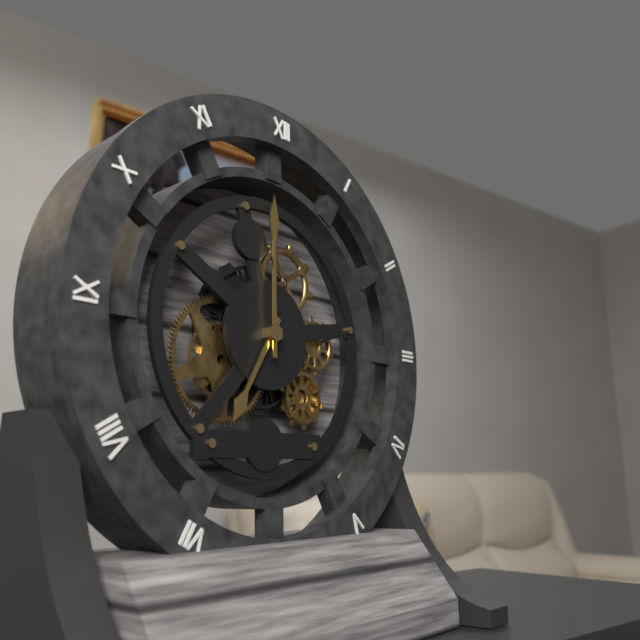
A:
**7:00**
